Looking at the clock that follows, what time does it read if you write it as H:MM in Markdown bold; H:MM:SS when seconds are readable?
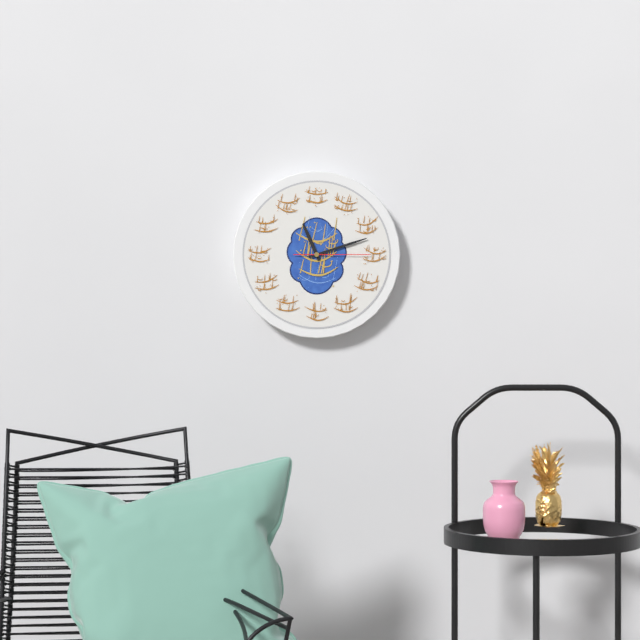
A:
**11:12:15**
